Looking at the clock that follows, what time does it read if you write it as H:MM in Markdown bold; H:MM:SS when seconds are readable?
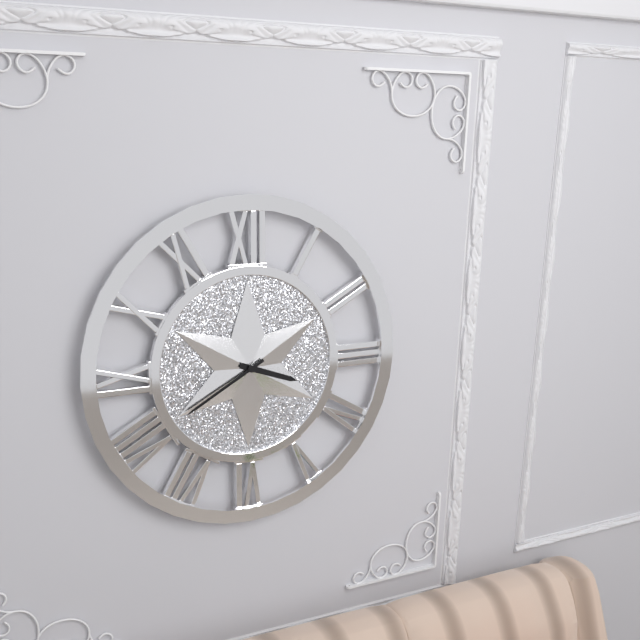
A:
**3:40**
